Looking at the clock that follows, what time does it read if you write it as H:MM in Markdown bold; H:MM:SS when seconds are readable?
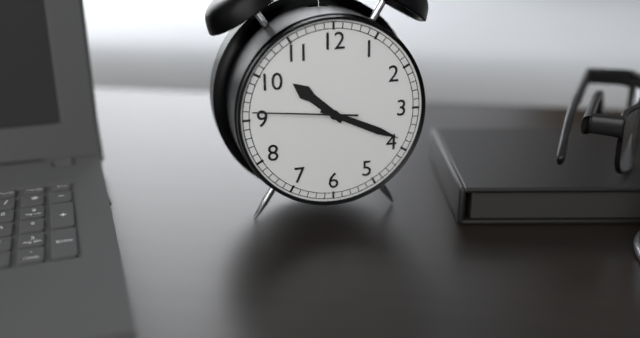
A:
**10:19:46**
